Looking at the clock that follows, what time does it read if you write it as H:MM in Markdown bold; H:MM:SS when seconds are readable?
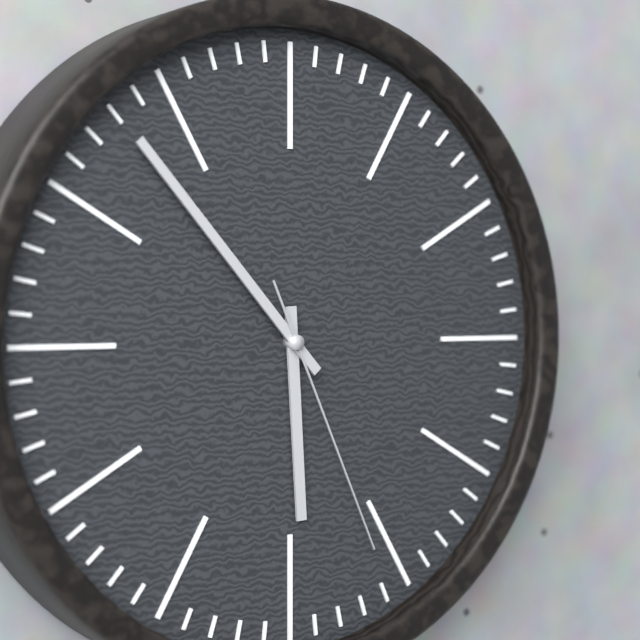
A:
**5:53:26**
